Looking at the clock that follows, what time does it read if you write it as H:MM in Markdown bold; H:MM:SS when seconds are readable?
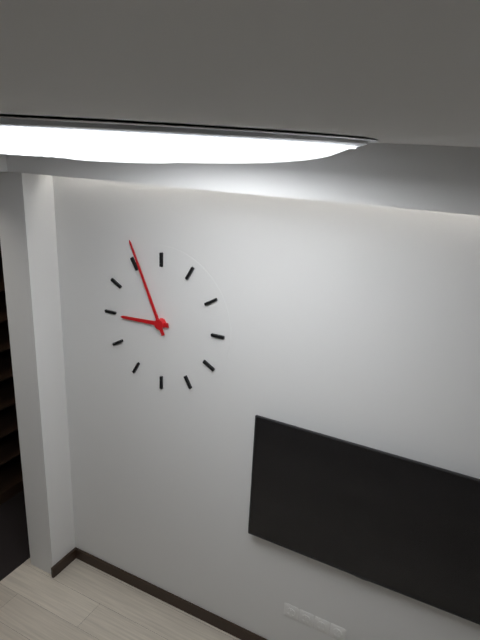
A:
**8:56**
